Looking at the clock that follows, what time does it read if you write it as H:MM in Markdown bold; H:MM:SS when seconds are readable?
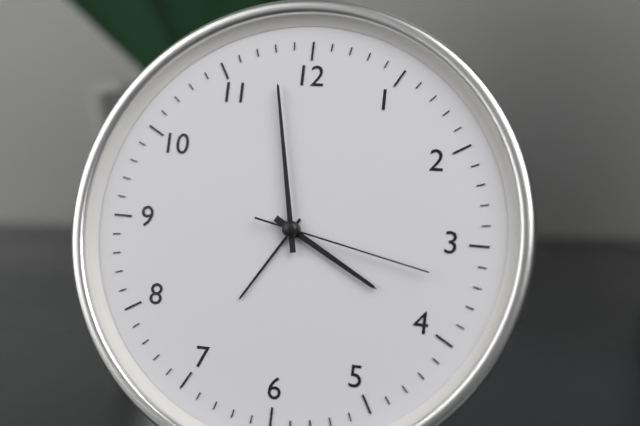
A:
**3:58:17**
